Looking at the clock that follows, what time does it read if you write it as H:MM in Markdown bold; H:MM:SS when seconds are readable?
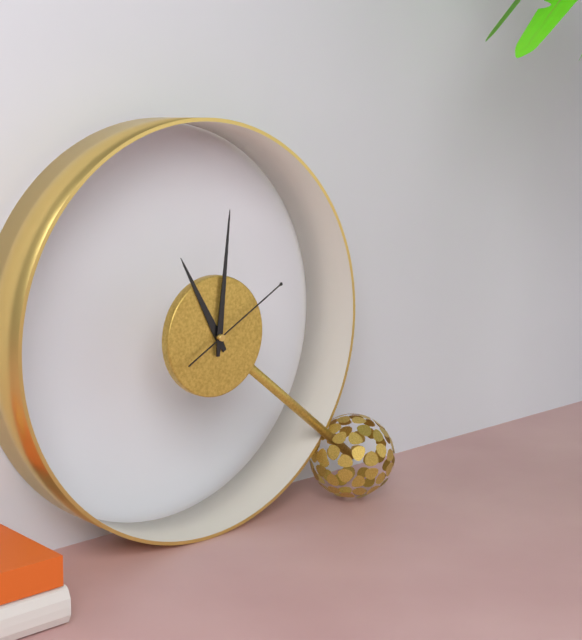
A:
**11:01:10**
